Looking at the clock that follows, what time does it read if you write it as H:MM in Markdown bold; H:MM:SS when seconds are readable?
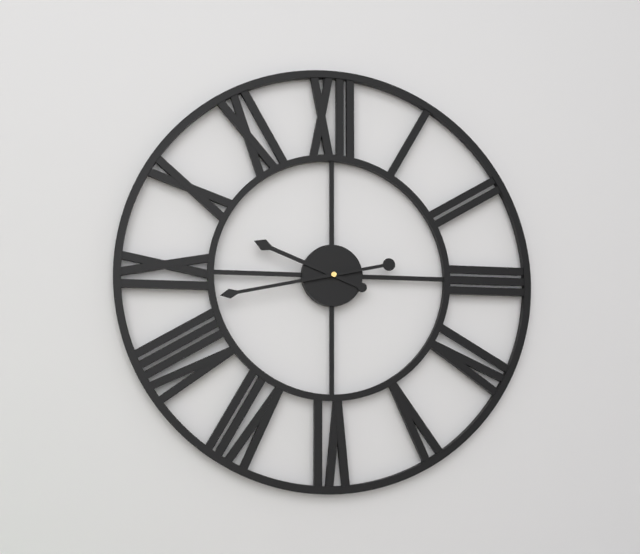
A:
**9:43**
